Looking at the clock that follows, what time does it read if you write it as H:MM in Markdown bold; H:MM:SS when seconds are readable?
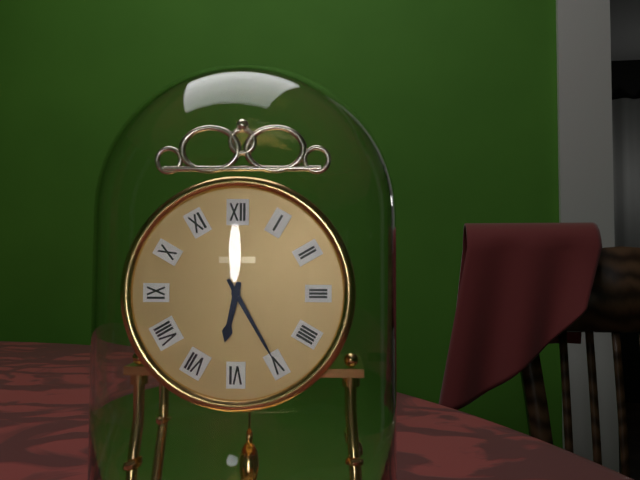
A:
**6:25**
